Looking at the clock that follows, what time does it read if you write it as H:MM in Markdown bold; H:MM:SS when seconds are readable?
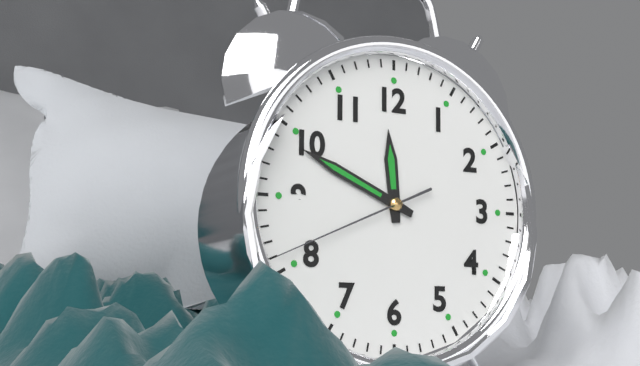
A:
**11:49:41**
